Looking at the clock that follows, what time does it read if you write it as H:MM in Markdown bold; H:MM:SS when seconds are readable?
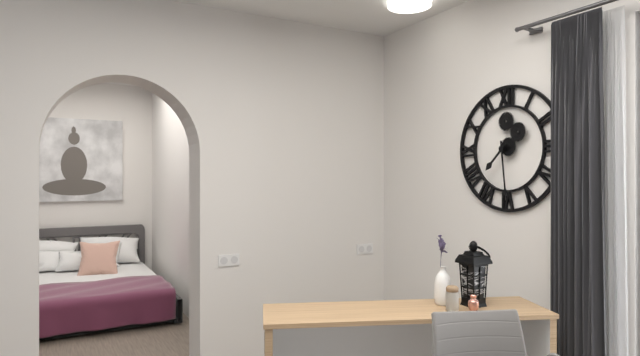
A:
**7:29**
